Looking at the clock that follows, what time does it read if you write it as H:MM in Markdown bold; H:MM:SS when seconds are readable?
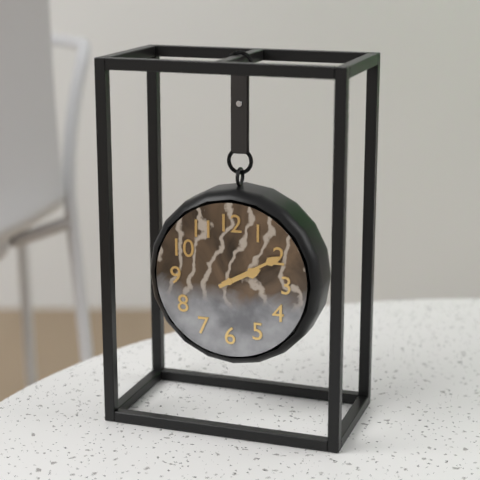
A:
**2:10**
